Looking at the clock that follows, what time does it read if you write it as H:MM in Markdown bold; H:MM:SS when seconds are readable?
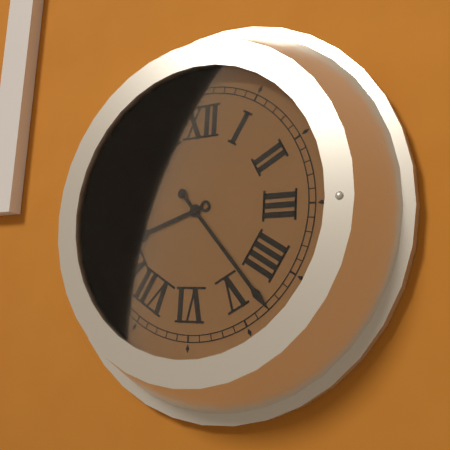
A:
**8:23**
